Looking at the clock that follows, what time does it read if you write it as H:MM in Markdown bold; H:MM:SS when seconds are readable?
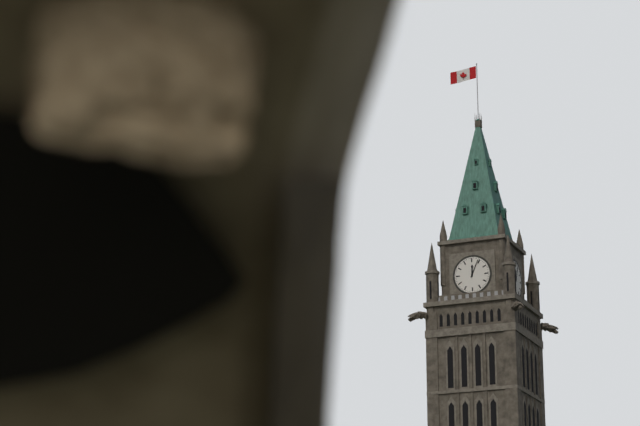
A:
**12:04**
